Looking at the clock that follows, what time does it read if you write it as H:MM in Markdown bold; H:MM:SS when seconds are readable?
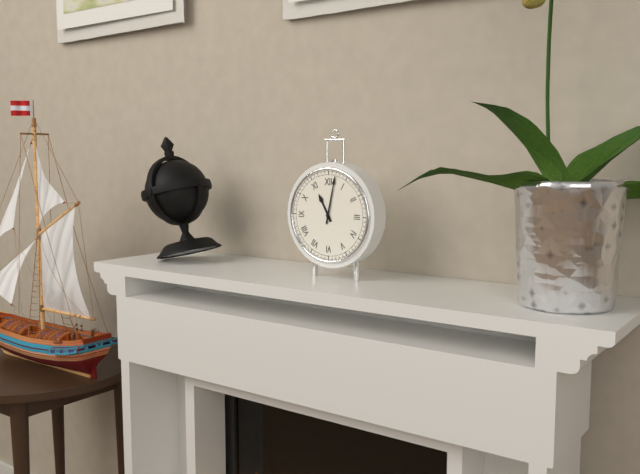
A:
**11:02**
